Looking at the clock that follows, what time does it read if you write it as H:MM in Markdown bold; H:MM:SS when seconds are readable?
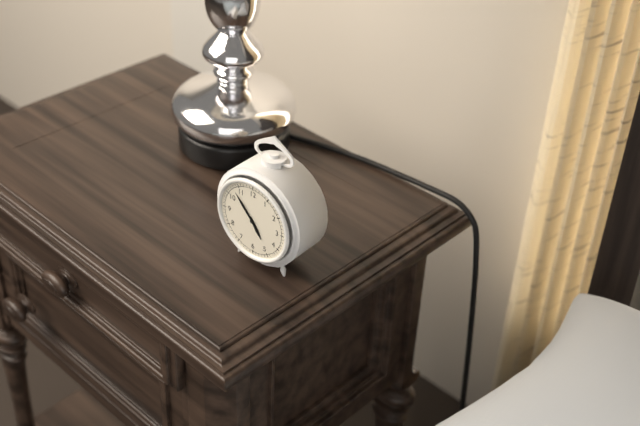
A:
**4:53**
